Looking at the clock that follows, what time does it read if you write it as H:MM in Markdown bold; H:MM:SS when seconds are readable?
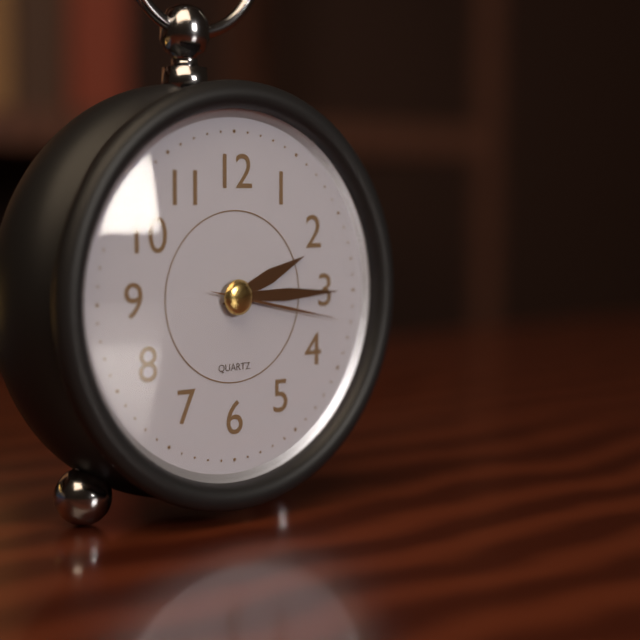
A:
**2:15:17**
